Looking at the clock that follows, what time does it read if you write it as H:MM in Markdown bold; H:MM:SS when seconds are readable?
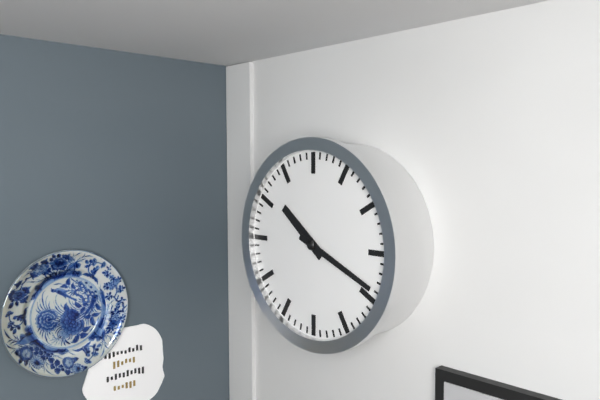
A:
**10:19**
